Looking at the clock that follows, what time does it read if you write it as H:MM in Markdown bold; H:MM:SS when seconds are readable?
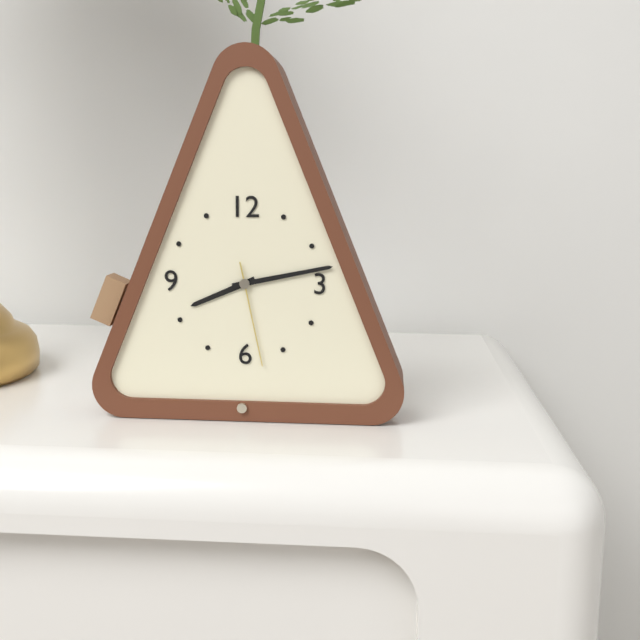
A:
**8:13:28**
